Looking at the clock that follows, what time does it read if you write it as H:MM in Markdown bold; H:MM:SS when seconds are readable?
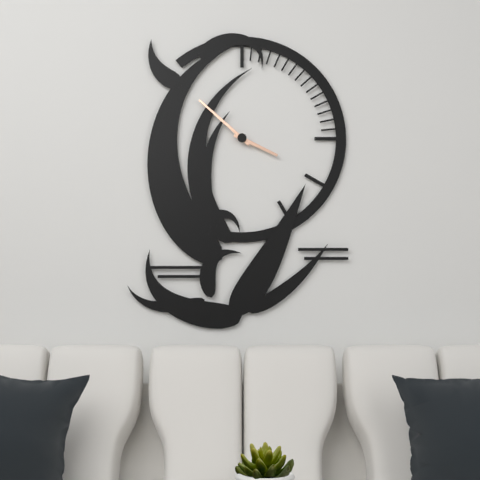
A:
**3:52**
